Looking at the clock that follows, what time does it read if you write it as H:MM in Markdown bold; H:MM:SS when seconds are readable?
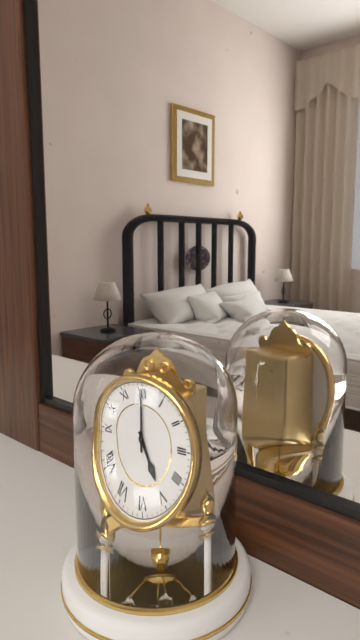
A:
**5:00**
